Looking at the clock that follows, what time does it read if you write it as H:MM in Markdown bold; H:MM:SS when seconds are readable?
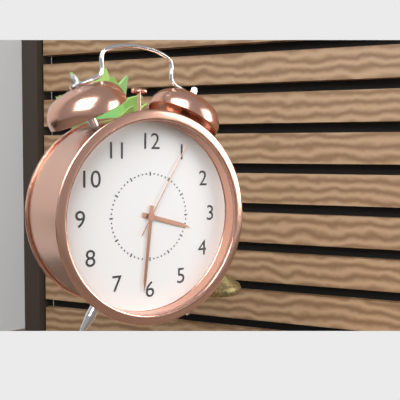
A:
**3:31:05**
